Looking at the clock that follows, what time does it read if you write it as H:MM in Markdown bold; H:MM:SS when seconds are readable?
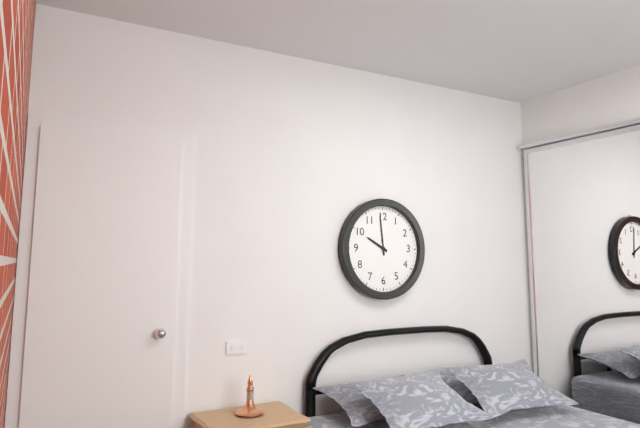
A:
**9:59**
